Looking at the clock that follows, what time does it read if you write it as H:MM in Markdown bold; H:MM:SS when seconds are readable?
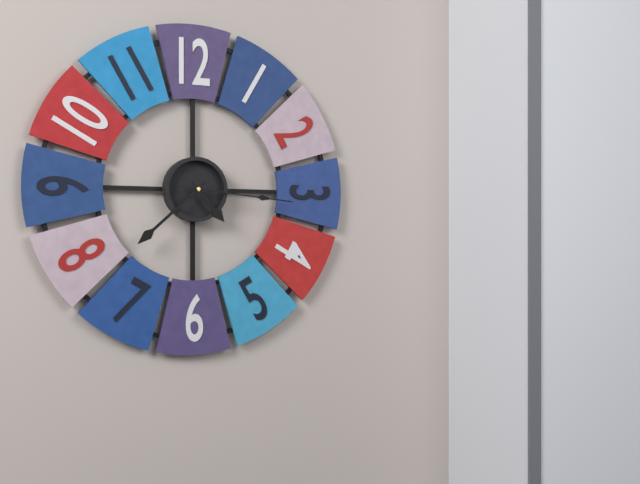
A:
**4:38:16**
